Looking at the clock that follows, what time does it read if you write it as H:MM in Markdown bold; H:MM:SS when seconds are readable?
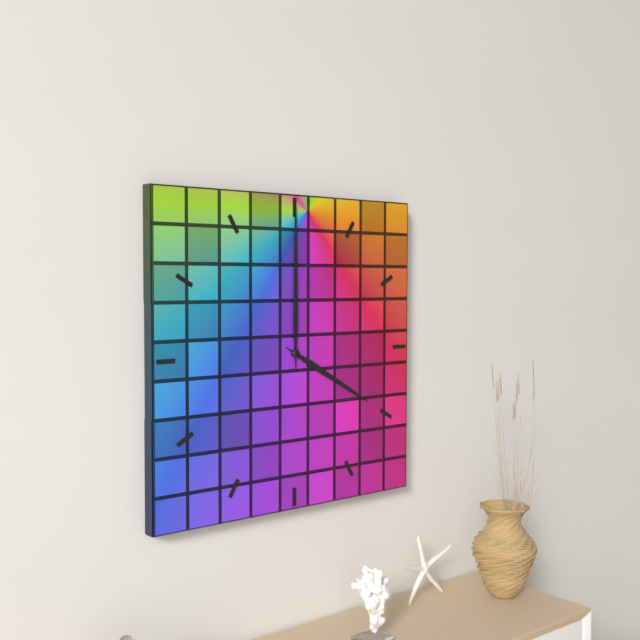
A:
**4:00**
